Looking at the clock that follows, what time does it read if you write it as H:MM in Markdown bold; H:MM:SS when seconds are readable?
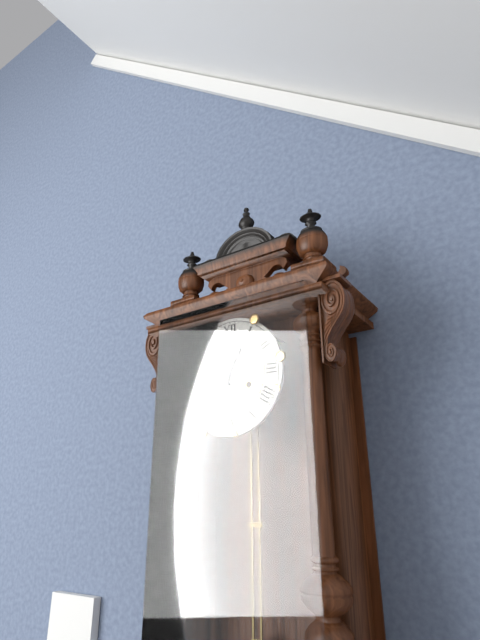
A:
**12:59**
